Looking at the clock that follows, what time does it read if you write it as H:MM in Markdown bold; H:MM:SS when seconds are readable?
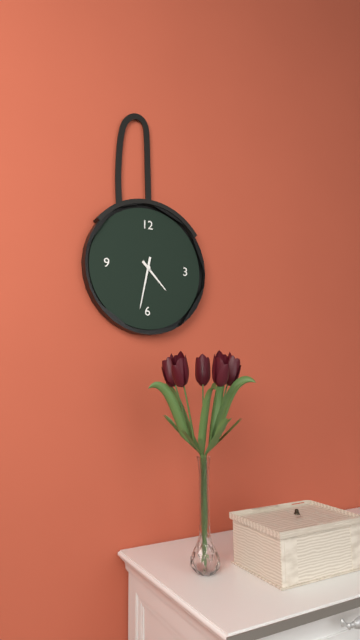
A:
**4:32**
